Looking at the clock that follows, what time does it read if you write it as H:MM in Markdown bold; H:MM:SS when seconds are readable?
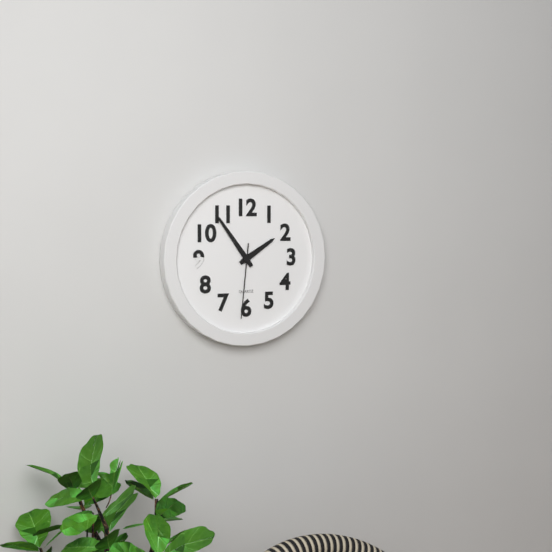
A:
**1:54:31**
